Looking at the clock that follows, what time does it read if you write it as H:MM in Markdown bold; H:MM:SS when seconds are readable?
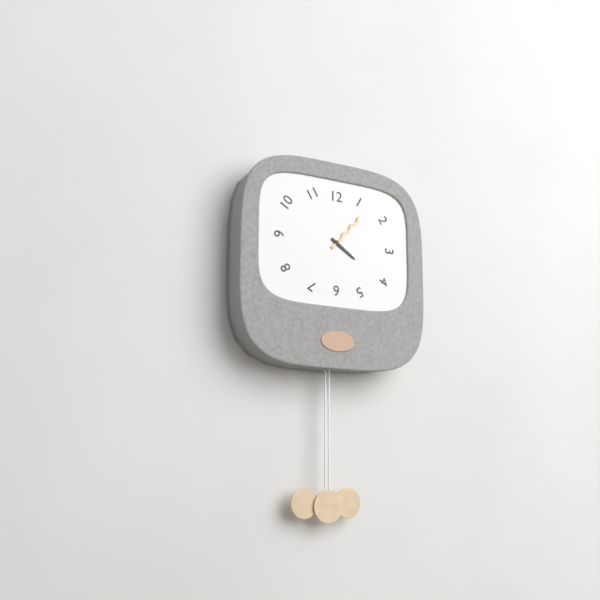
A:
**4:07**
